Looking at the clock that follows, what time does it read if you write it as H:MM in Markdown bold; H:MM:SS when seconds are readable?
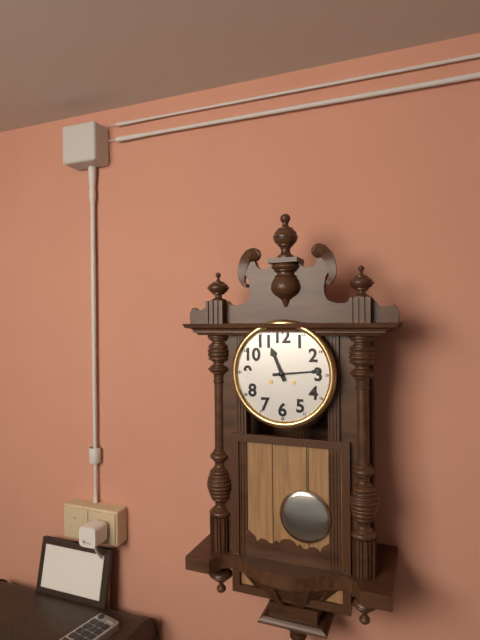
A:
**11:14**
